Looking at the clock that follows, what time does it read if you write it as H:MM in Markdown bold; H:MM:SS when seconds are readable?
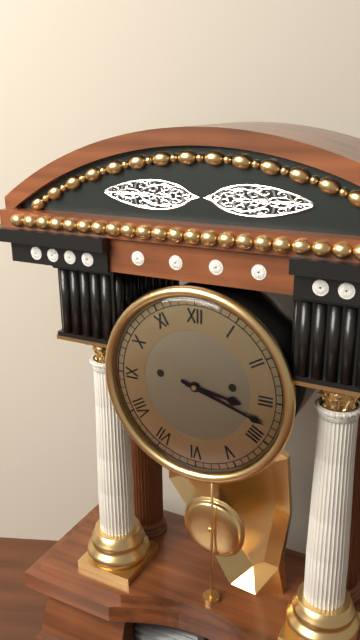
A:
**3:18**
